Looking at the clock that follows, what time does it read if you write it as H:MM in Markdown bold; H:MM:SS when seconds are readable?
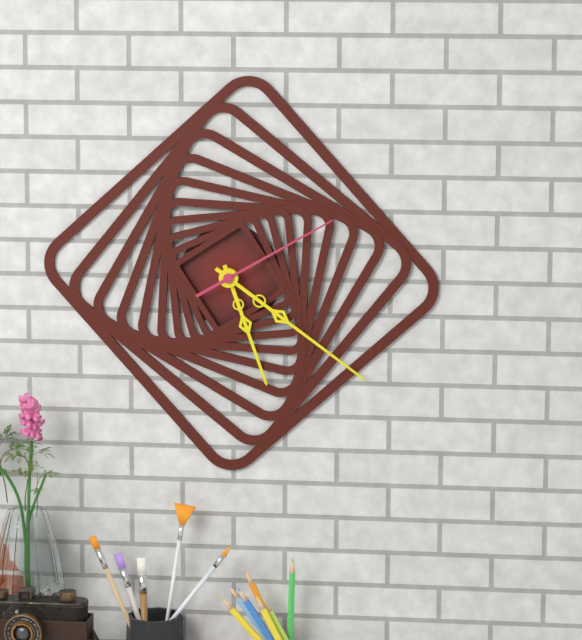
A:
**5:21:10**
